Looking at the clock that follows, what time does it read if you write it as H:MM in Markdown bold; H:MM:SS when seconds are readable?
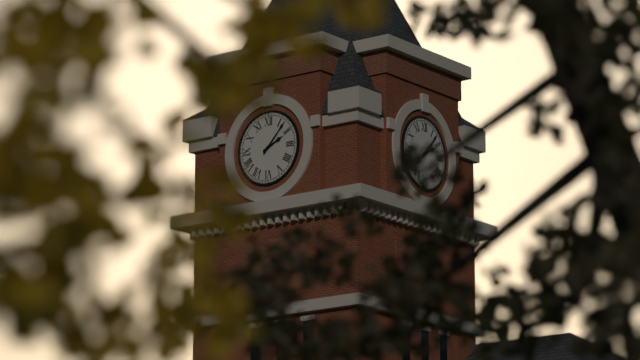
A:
**2:07**
